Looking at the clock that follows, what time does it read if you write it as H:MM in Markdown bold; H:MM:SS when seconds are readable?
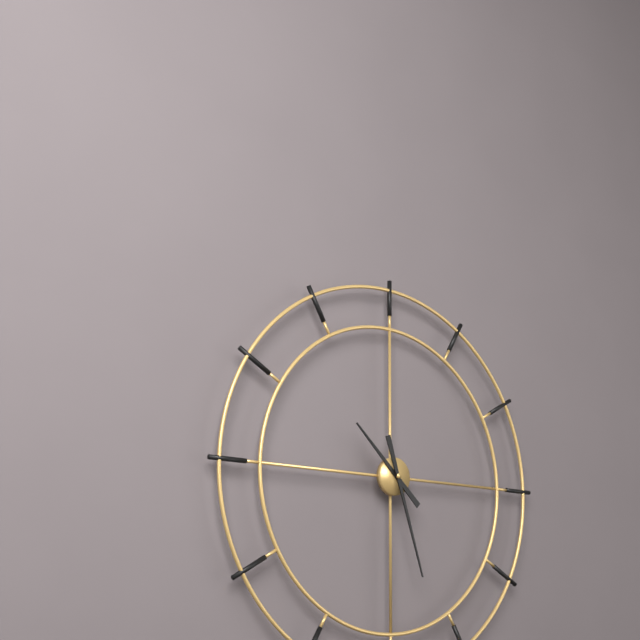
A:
**10:27**
